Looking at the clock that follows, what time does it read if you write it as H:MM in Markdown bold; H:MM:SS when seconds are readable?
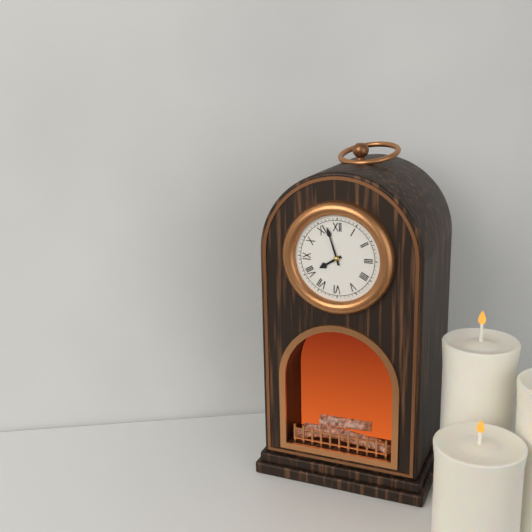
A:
**7:57**
